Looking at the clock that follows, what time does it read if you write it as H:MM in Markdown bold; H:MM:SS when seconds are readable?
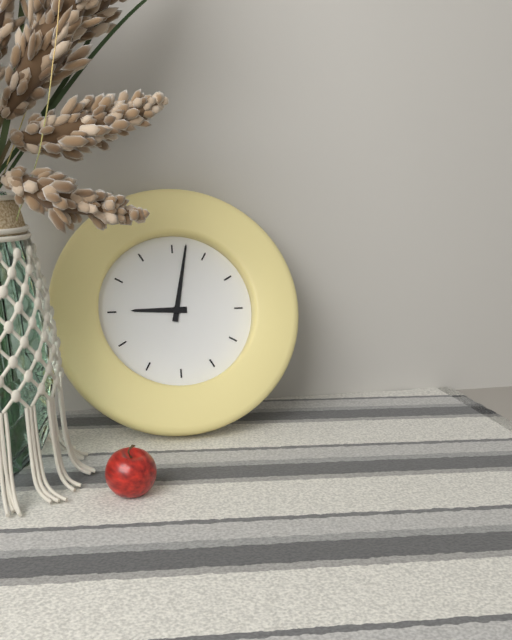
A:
**9:02**
